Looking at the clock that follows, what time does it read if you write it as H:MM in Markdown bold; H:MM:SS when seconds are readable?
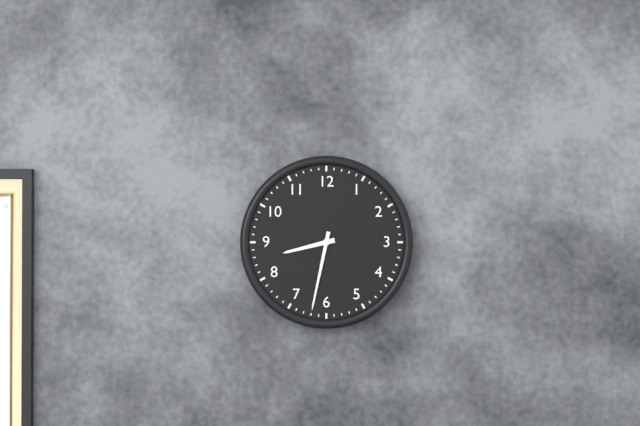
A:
**8:32**
